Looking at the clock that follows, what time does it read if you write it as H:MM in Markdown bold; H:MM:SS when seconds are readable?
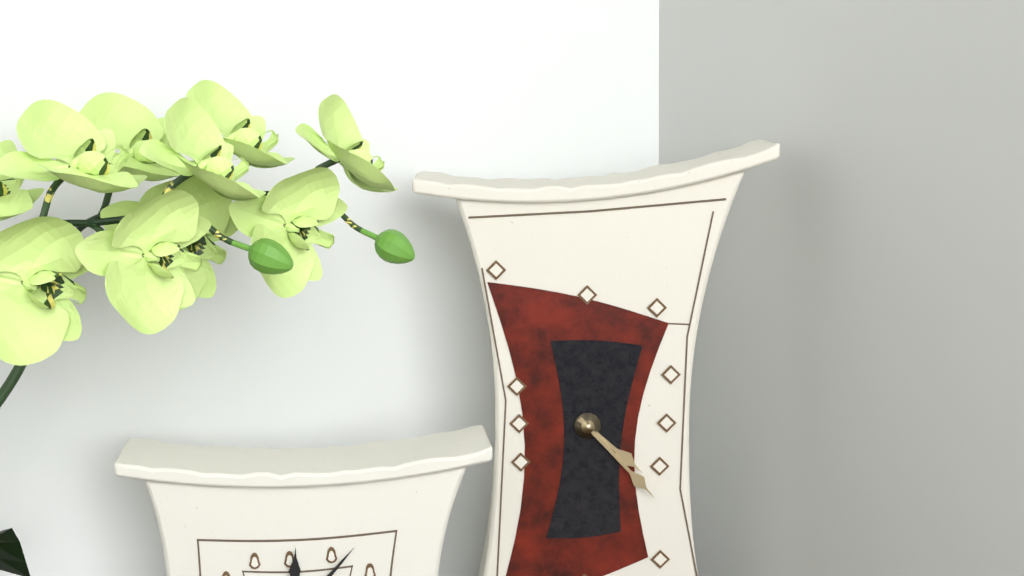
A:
**4:23**
